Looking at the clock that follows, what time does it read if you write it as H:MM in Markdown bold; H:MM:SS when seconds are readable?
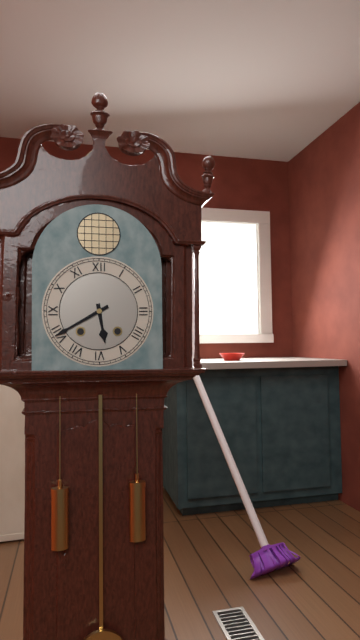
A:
**5:40**
